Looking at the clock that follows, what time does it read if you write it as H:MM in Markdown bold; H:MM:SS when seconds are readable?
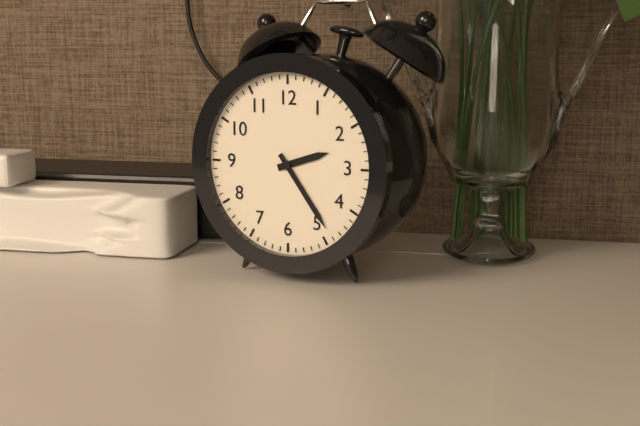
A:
**2:24**
